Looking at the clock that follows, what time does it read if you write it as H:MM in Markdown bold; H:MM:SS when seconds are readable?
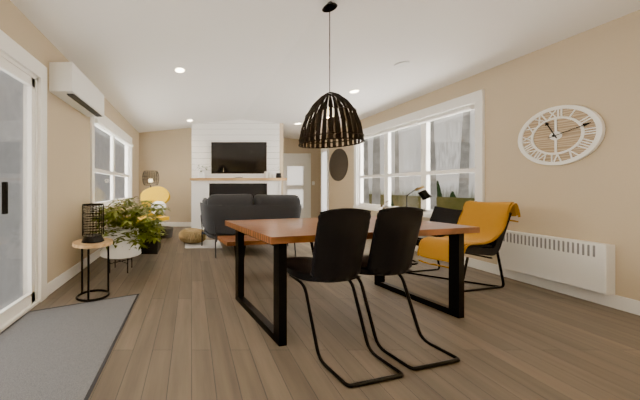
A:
**11:12**
